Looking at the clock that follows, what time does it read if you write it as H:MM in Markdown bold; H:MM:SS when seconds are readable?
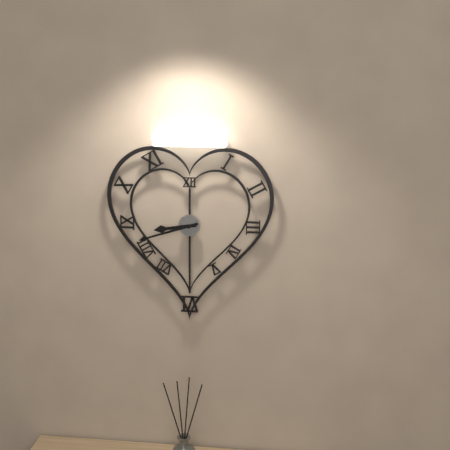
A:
**8:42**
